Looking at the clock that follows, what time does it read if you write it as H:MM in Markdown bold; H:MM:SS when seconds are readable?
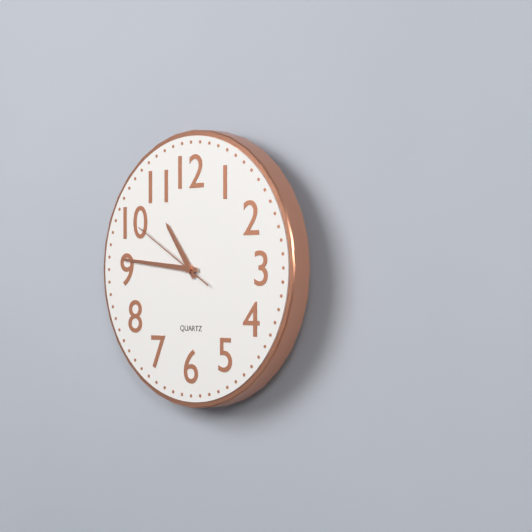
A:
**10:46:50**
